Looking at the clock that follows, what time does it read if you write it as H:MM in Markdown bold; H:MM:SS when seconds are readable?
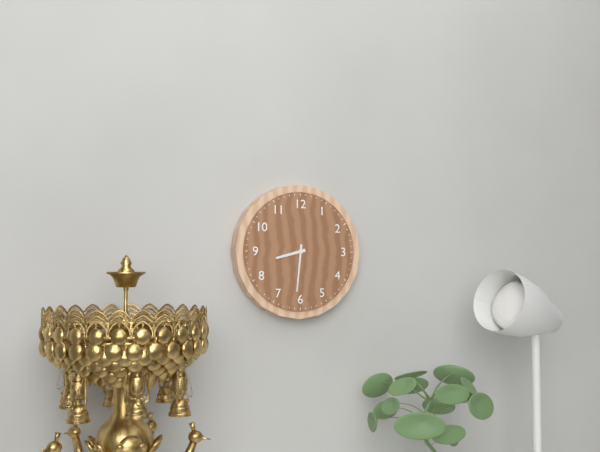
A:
**8:31**
